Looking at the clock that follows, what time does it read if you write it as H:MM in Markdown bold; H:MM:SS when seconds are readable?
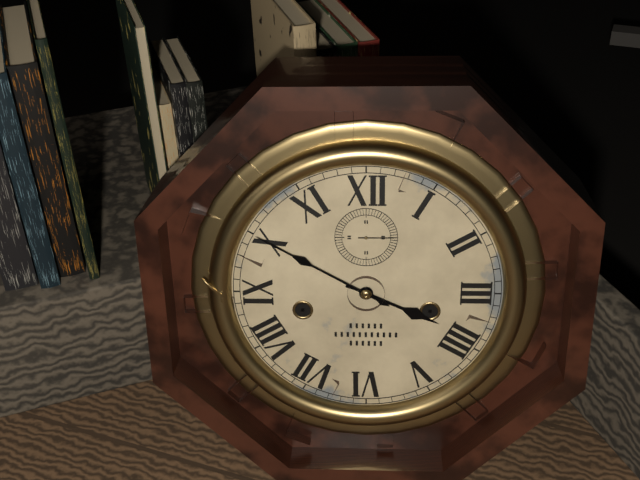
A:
**3:50**
